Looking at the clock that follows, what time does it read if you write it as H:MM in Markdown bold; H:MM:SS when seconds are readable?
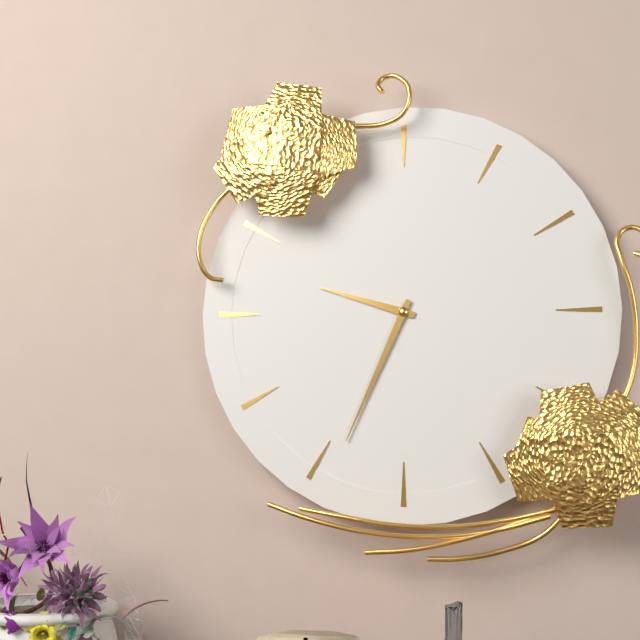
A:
**9:34**
